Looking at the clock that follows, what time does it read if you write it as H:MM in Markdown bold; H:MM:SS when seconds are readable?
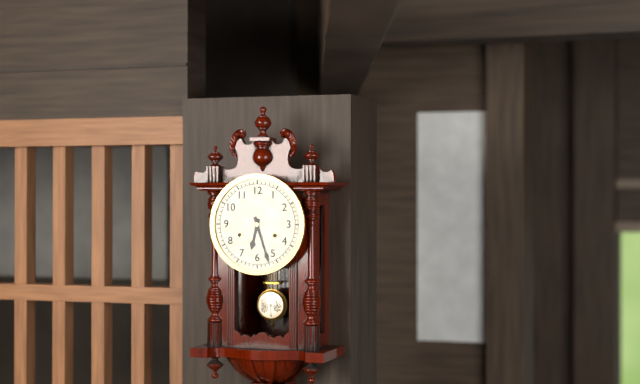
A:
**6:27**
